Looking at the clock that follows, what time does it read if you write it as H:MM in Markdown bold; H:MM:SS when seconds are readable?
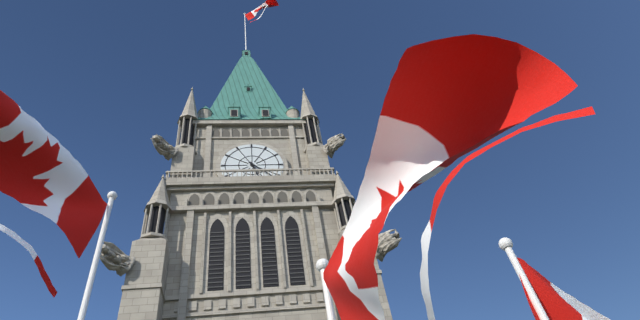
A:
**5:22**
